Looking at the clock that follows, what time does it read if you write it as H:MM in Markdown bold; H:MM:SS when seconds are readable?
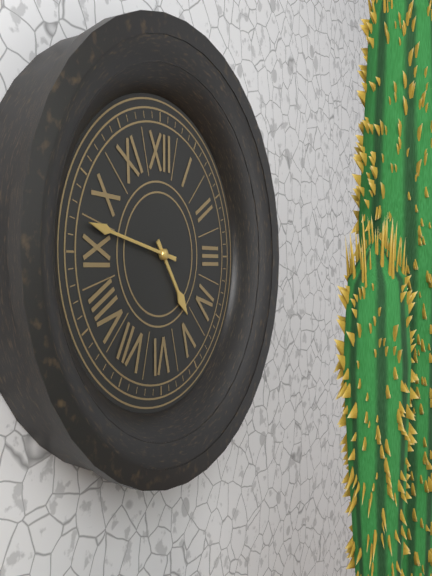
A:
**4:47**
